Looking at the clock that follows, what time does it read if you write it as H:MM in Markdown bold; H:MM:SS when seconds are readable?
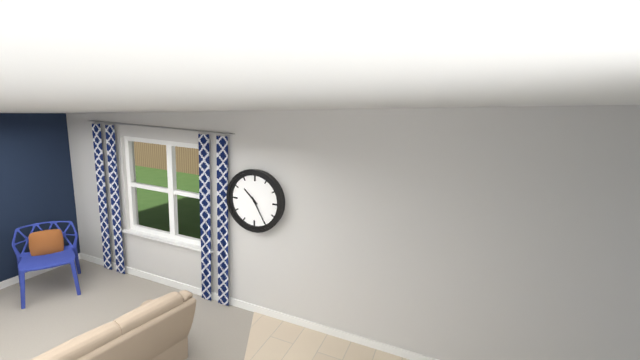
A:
**10:25**
